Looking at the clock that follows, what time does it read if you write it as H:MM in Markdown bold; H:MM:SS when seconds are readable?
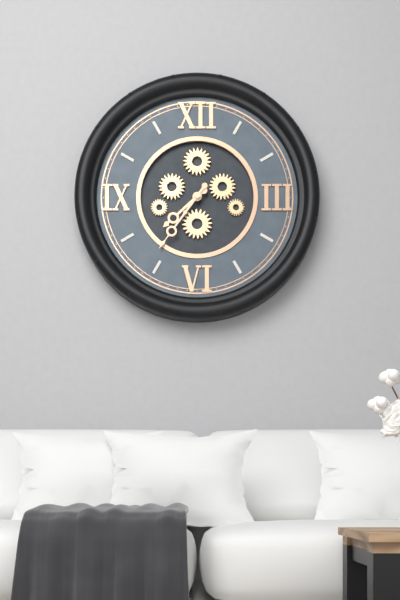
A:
**7:36**
